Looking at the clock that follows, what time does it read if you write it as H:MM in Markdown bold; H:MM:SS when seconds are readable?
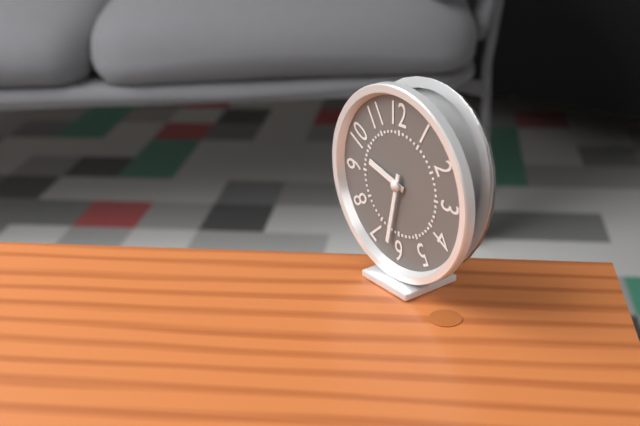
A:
**9:32**
